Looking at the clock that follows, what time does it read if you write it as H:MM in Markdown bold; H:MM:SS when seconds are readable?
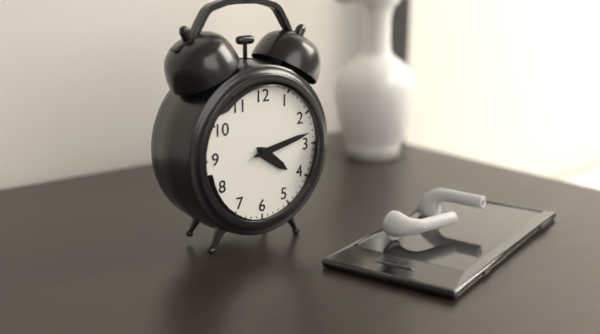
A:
**4:13**
